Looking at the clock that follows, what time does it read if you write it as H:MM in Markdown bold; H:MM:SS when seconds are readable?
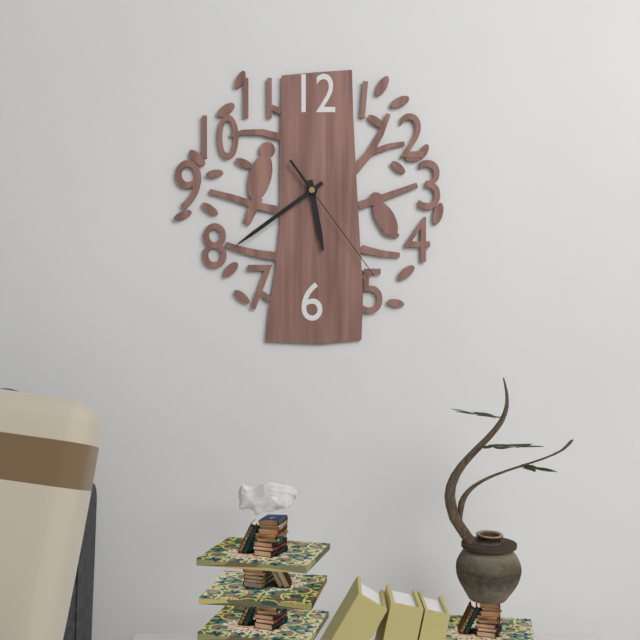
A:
**5:39:24**
